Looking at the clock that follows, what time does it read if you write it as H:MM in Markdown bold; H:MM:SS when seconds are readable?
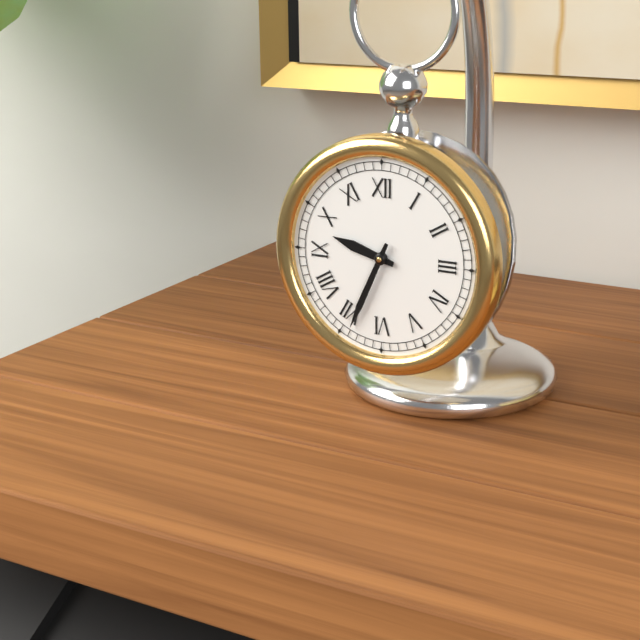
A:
**9:34**
